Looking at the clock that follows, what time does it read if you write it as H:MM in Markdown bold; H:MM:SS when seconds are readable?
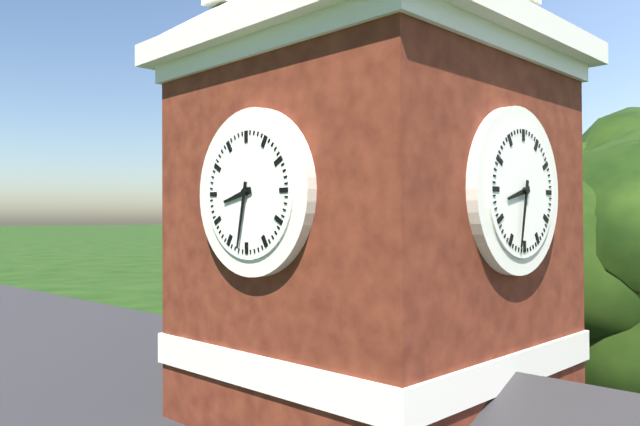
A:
**8:32**
